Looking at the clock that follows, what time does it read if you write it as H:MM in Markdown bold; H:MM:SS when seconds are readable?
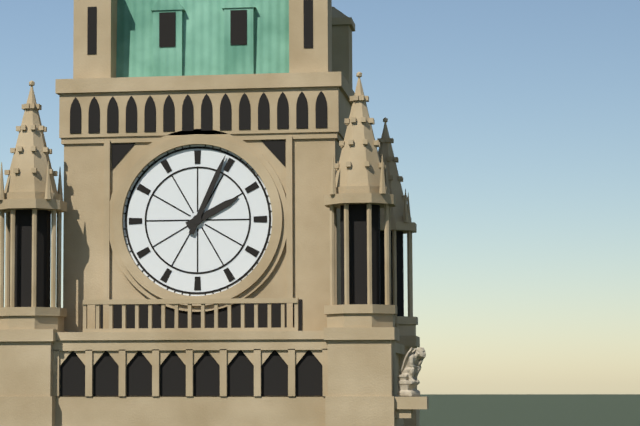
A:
**2:04**
